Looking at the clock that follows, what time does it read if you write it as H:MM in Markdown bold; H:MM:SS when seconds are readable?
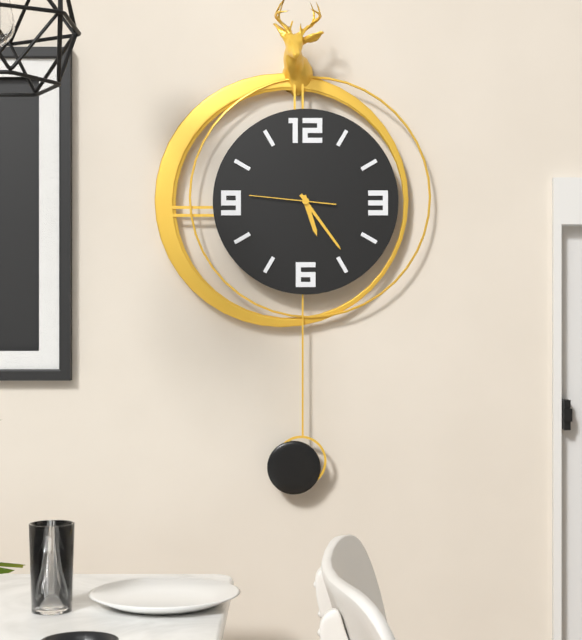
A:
**5:24:46**
